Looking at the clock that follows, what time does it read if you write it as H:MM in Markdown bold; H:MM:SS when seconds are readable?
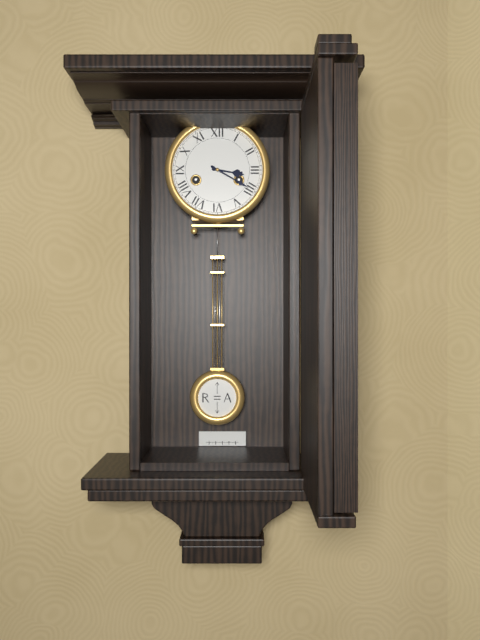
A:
**3:20**
